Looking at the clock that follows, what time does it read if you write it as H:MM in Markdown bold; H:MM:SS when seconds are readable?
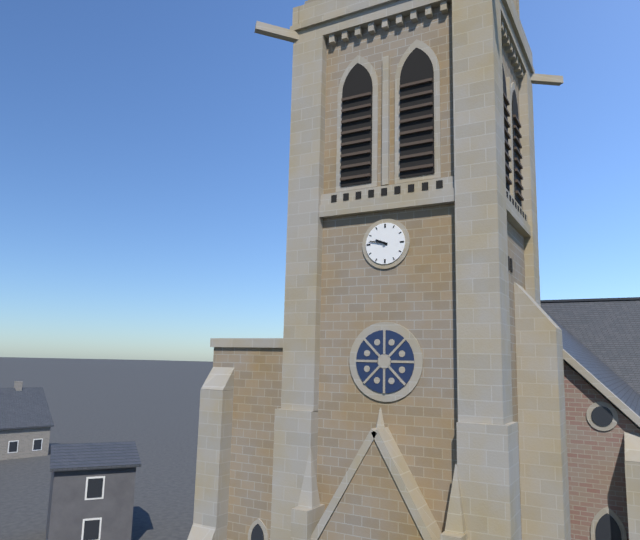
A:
**9:47**
